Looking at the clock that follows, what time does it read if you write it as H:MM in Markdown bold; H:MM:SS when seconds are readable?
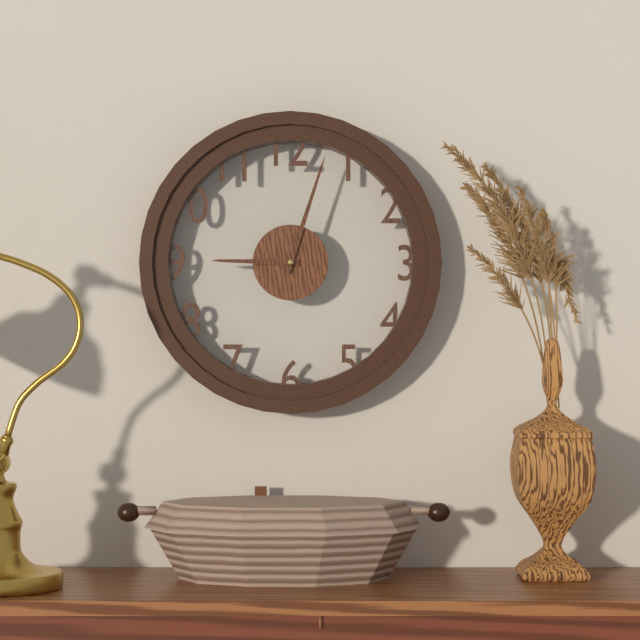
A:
**9:03**
